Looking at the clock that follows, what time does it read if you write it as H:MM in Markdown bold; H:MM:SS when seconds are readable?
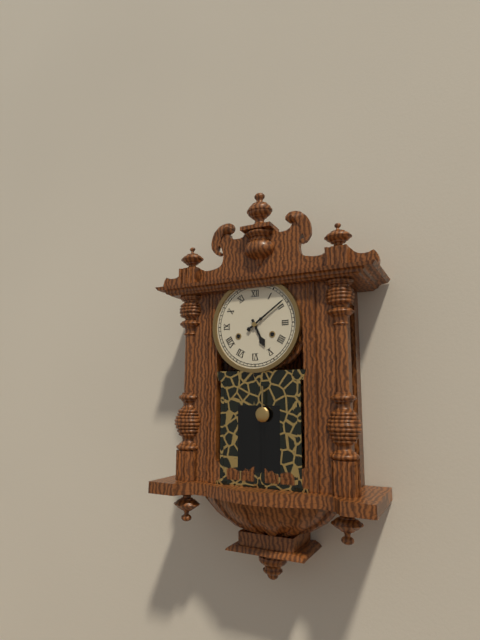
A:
**5:09**
